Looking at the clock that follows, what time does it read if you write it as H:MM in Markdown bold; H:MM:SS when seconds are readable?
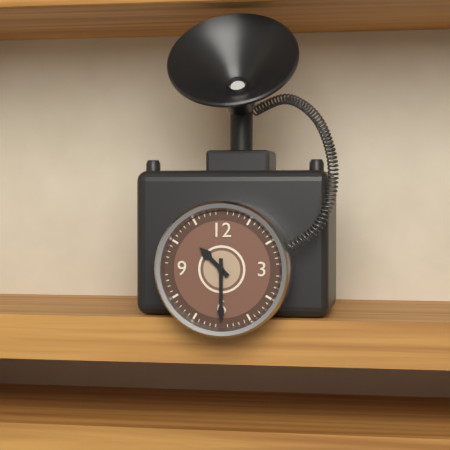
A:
**10:30**
